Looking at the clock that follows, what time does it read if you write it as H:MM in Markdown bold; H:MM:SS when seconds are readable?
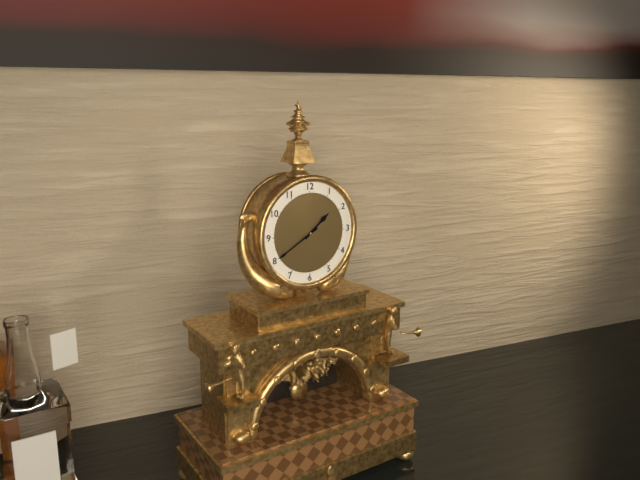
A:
**1:40**
